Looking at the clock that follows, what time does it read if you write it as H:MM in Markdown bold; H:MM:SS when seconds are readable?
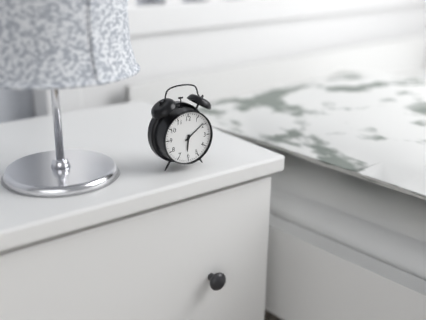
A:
**6:09**
